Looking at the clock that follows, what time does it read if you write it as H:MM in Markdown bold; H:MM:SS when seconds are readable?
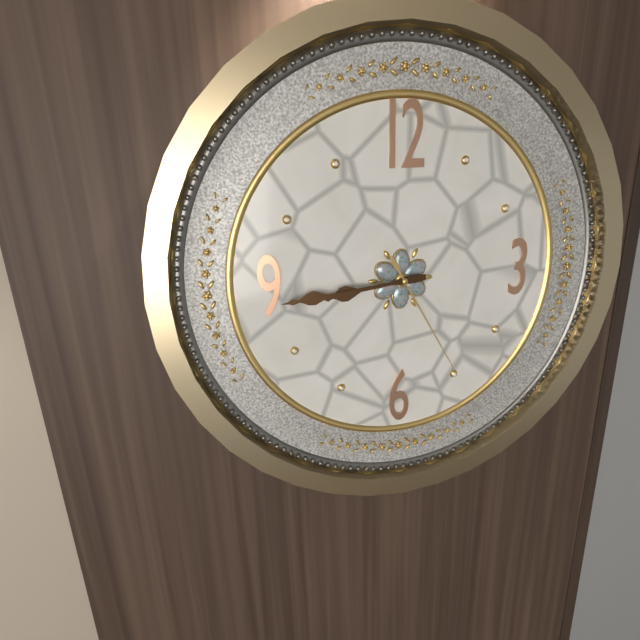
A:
**8:44:25**
